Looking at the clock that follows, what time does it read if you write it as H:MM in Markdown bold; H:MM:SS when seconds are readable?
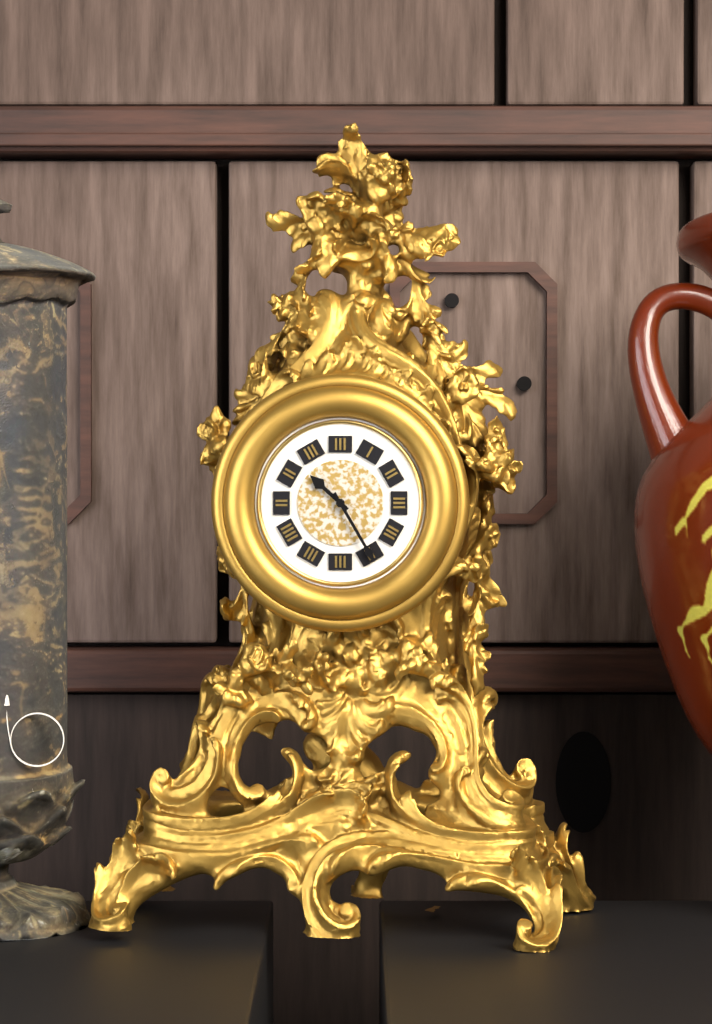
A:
**10:25**
